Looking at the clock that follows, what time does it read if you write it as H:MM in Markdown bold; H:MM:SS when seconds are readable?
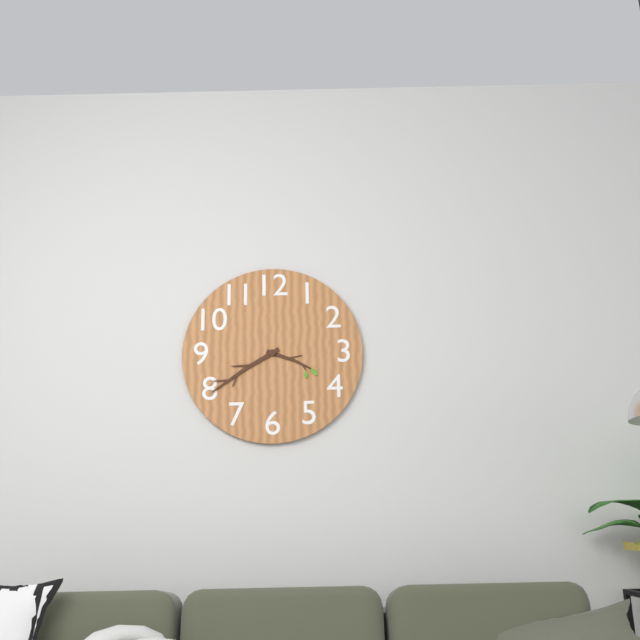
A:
**3:40**
